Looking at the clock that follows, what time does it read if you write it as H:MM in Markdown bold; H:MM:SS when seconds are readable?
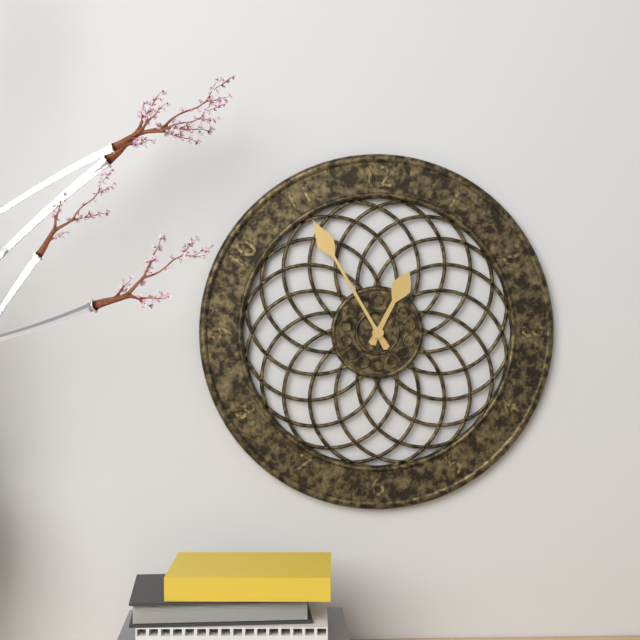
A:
**12:55**
